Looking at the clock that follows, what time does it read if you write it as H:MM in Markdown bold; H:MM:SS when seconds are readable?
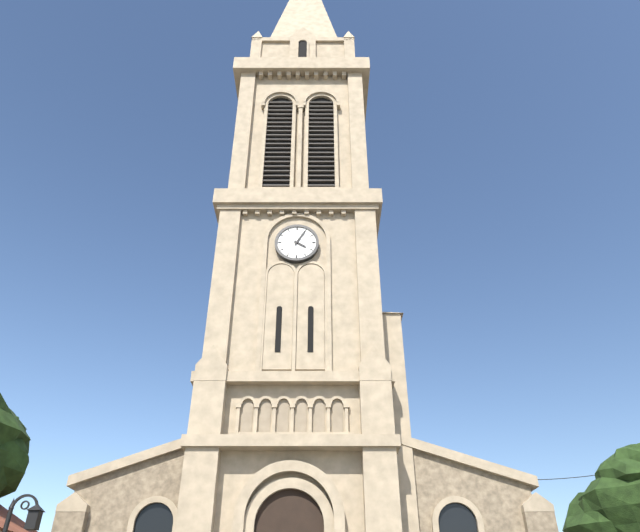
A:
**4:05**
